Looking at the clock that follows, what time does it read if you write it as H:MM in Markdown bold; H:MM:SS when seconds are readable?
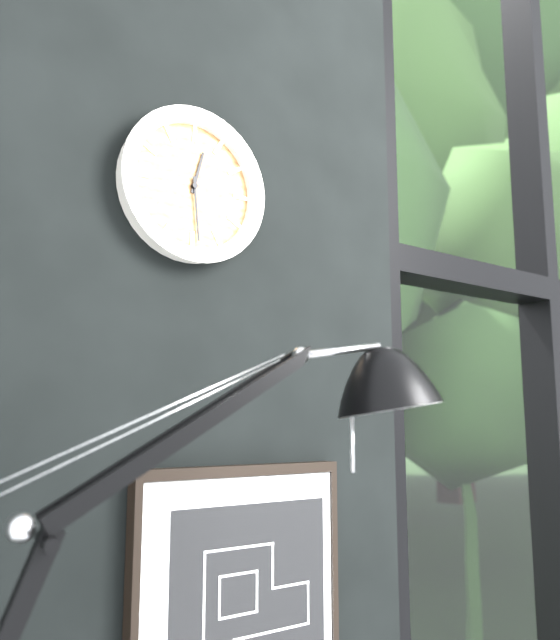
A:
**12:29**
